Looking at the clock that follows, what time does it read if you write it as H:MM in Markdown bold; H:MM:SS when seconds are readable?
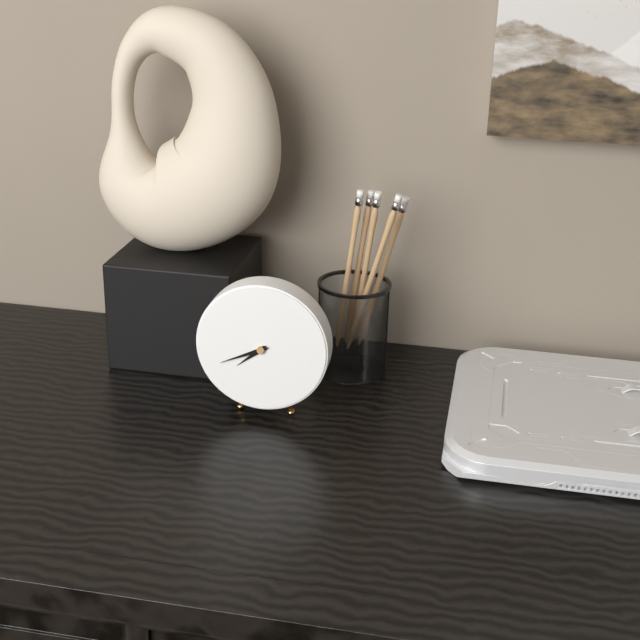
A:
**7:41**
